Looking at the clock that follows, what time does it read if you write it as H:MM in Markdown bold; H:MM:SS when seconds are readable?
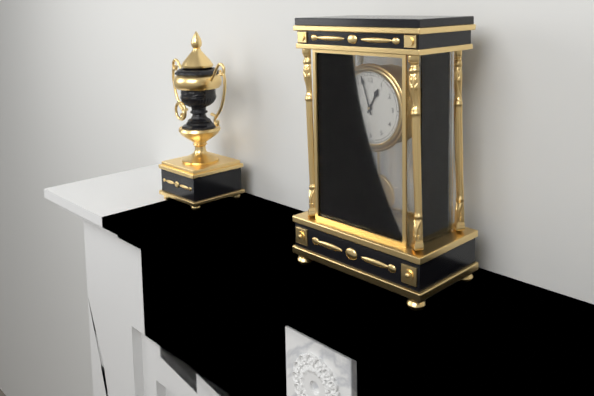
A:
**12:57**
